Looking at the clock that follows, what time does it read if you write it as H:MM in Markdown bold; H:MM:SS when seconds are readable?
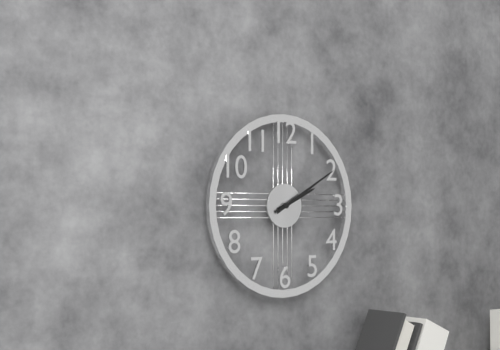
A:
**2:10**
